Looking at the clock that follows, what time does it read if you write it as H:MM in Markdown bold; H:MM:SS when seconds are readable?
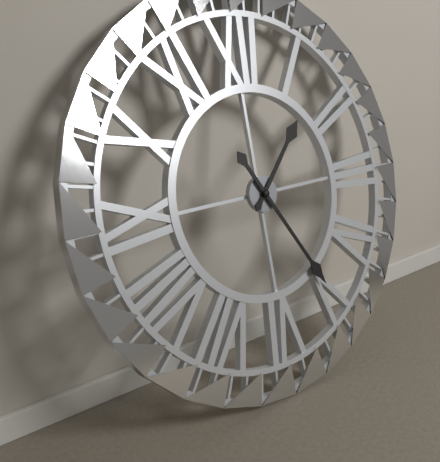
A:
**1:25**
